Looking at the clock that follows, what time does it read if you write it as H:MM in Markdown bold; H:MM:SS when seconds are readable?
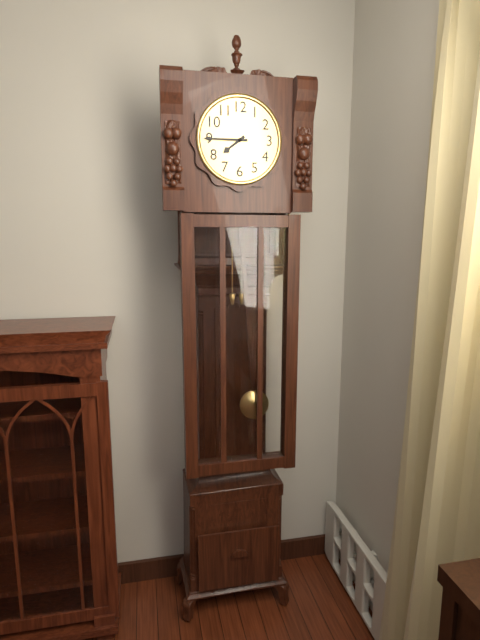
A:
**7:45**
